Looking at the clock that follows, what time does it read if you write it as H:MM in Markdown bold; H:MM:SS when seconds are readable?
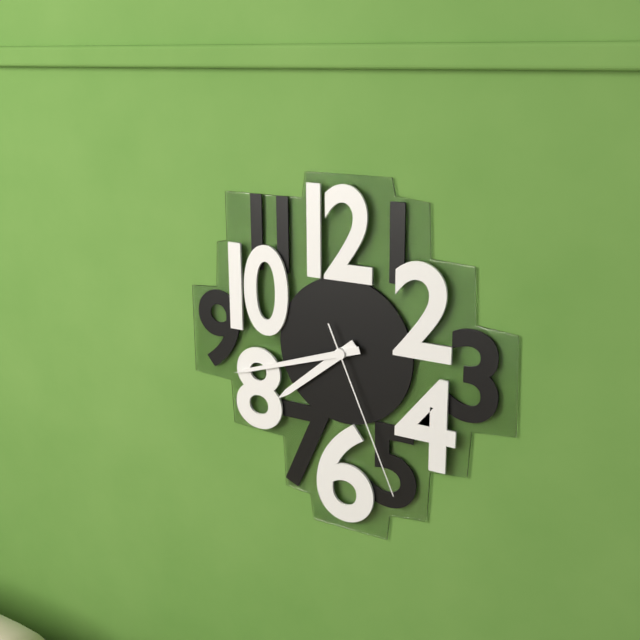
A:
**7:42:26**
